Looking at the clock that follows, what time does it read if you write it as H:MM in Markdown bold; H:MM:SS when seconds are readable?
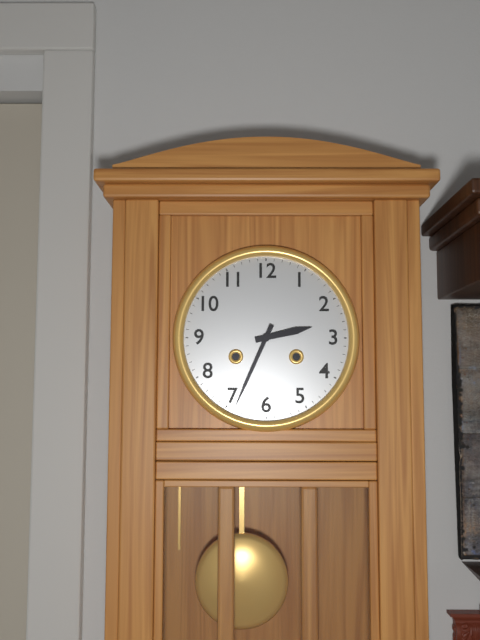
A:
**2:34**
